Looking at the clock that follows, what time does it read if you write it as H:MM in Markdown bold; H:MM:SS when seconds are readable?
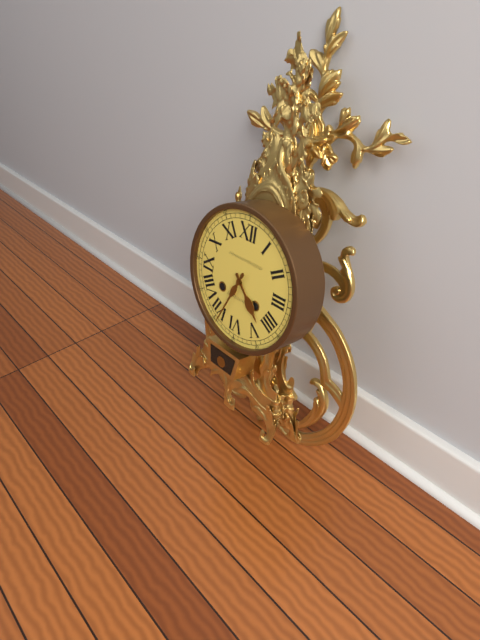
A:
**4:34**
